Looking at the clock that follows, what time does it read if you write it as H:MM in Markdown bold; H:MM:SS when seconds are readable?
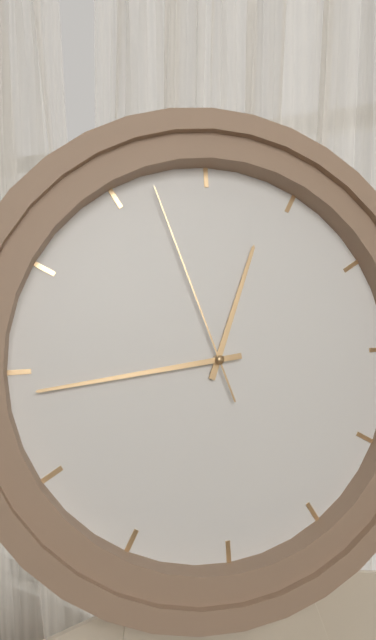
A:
**12:44:57**
